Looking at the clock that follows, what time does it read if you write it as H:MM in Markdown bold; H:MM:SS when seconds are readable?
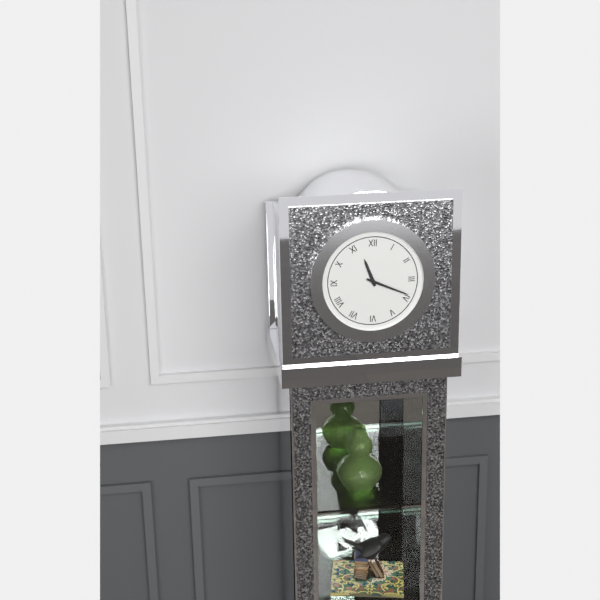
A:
**11:19**
